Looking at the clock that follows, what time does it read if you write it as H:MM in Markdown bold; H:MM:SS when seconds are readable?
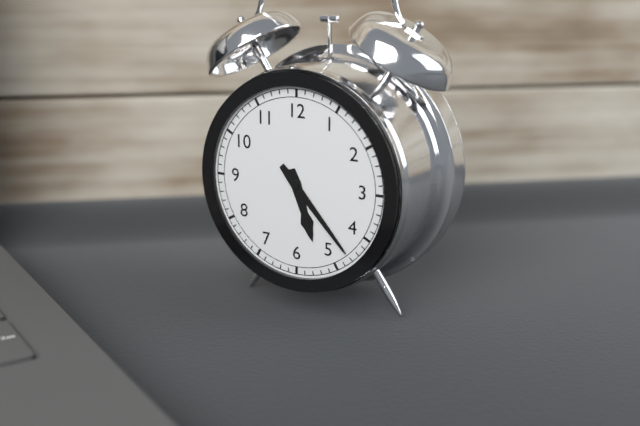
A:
**5:23**
